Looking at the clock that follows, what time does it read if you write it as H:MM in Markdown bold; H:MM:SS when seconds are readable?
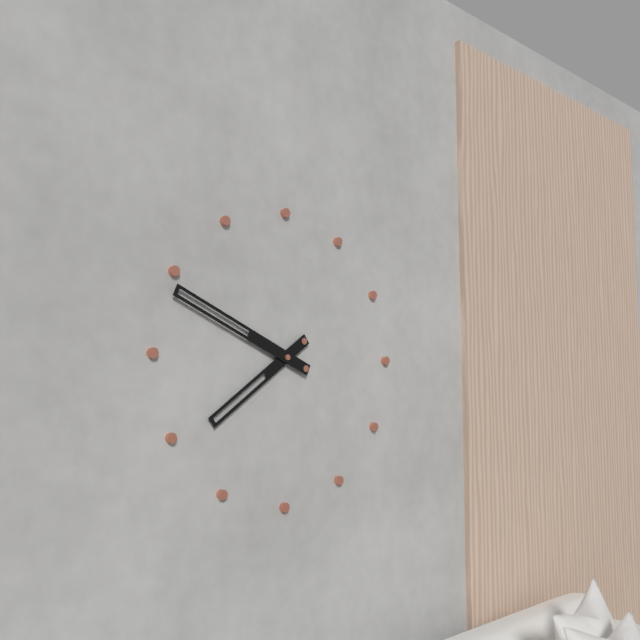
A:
**7:49**
